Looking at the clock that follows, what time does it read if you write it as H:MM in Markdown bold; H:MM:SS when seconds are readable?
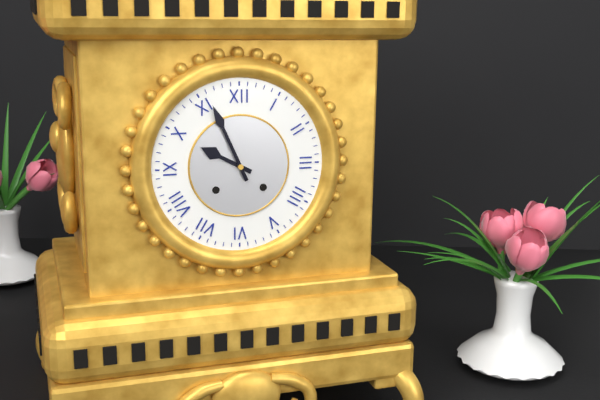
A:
**9:56**
